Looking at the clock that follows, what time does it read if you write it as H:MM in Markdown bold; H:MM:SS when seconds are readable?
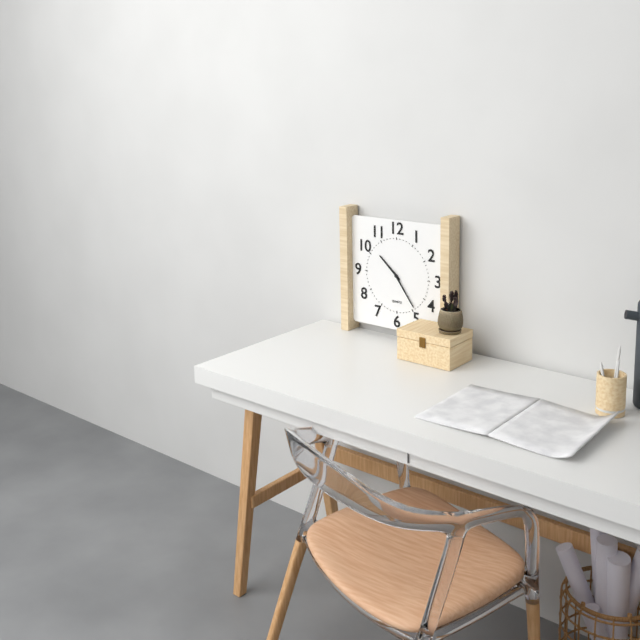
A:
**10:24**
